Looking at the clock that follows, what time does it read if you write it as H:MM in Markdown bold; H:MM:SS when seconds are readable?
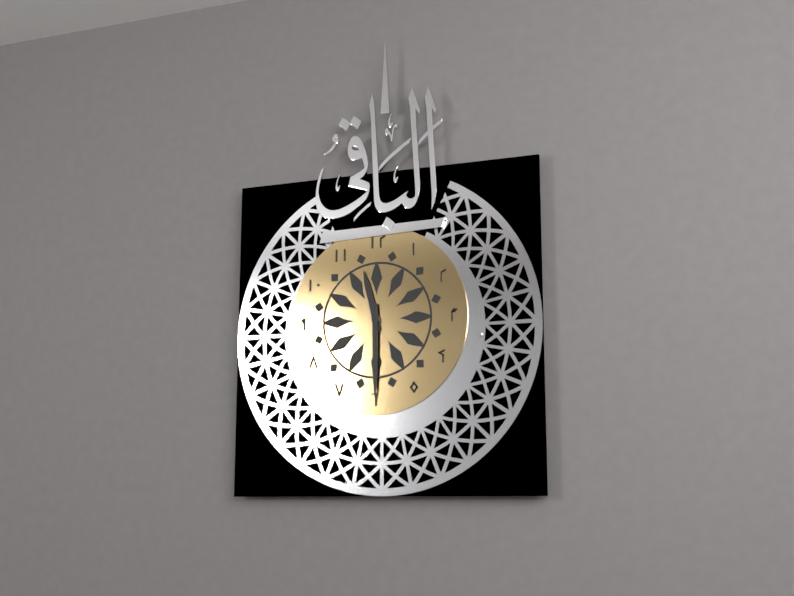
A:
**11:30**
